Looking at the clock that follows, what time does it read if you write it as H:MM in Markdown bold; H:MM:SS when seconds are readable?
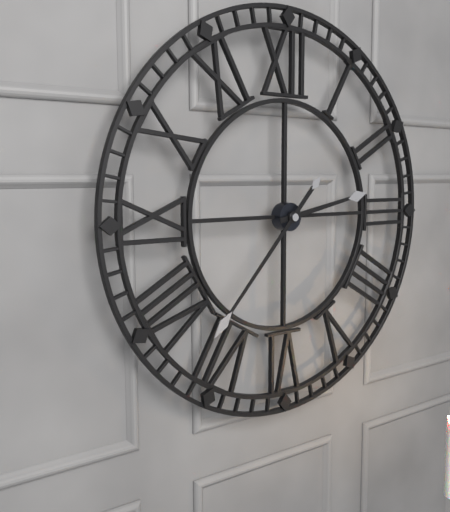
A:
**2:37**
